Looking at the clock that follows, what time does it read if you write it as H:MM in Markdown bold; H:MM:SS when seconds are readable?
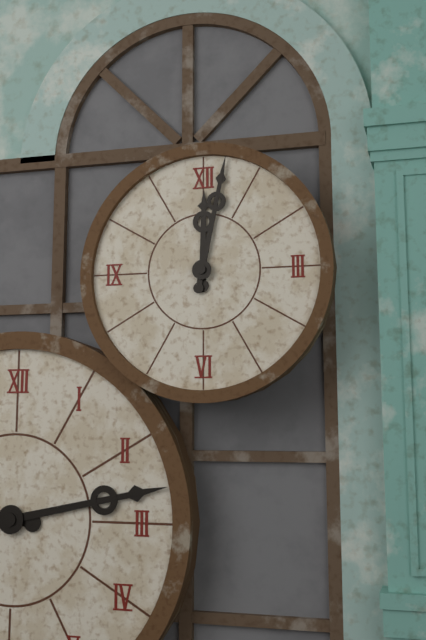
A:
**12:02**
